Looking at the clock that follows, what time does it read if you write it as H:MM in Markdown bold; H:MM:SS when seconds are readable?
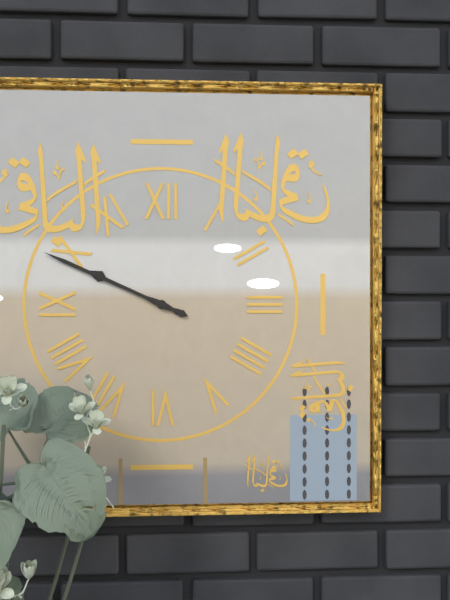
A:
**9:49**
